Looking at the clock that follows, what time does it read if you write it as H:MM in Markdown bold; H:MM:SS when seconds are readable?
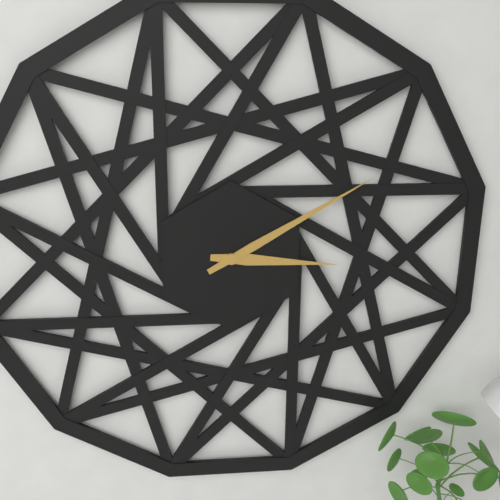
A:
**3:10**
